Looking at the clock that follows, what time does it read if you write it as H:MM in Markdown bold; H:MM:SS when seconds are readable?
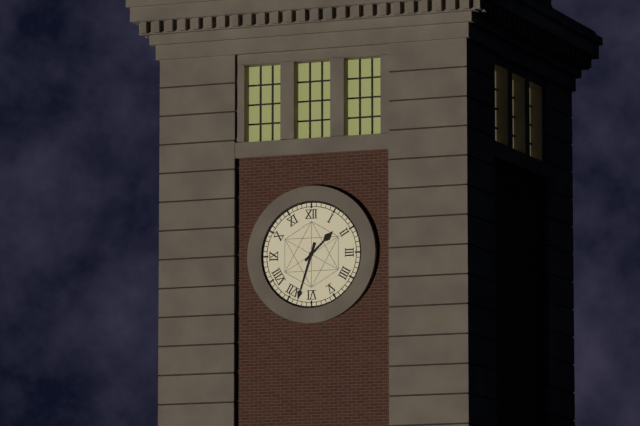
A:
**1:33**
